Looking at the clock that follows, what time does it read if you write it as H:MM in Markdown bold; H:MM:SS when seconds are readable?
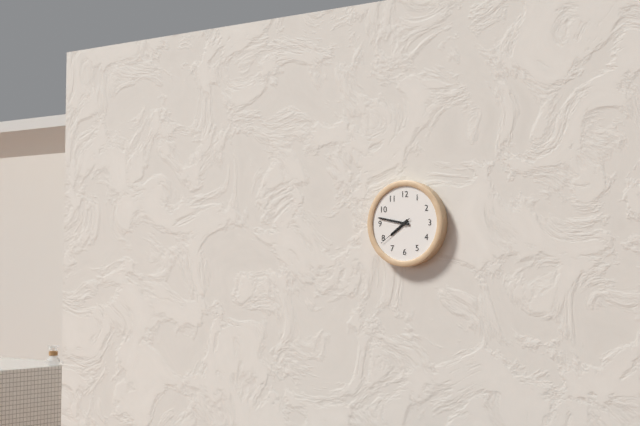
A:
**7:47**
